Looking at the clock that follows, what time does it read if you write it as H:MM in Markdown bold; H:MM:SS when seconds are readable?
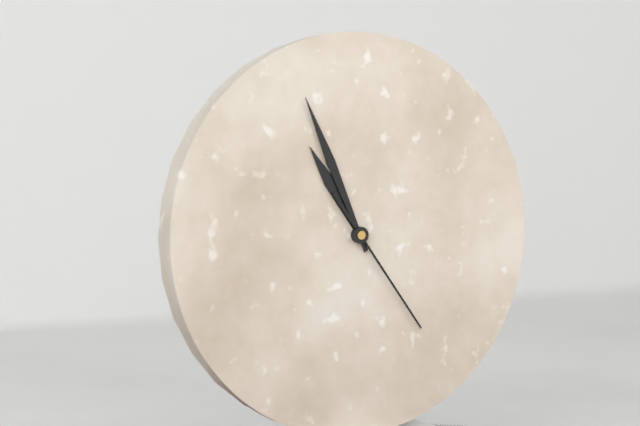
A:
**10:56:24**
